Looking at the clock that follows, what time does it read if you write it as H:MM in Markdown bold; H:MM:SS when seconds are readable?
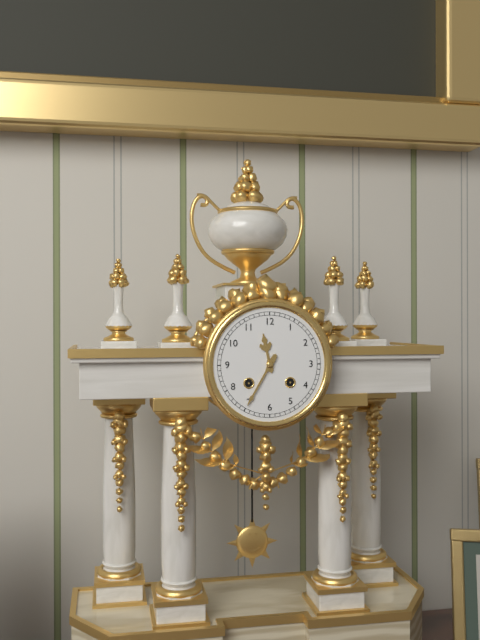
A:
**11:35**
